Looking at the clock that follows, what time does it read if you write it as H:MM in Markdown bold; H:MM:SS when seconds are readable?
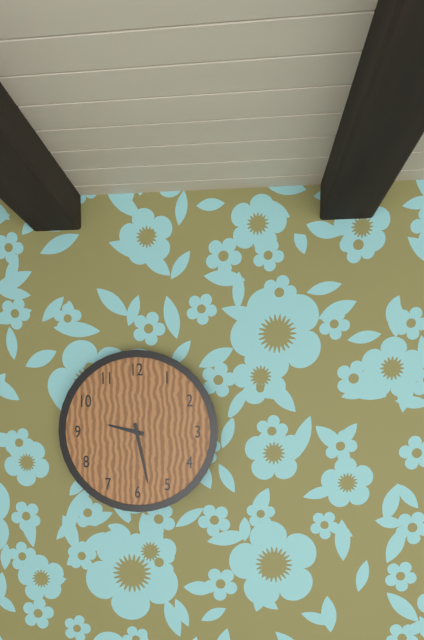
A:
**9:28**
